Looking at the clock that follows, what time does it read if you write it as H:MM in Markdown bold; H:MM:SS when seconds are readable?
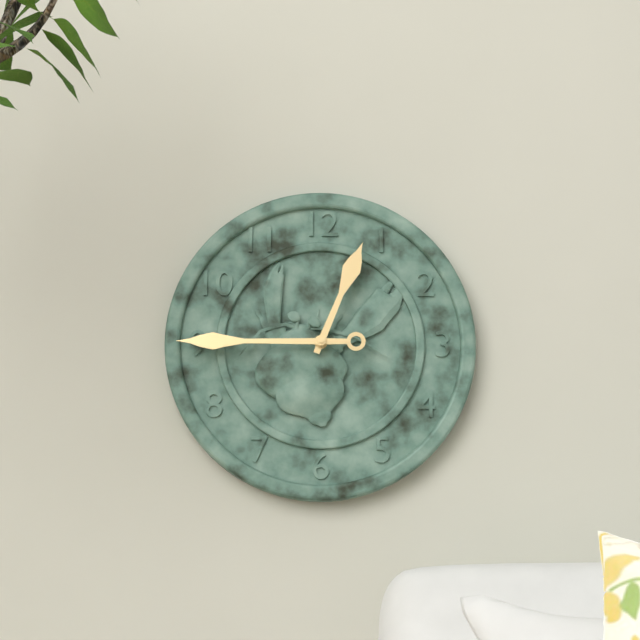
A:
**12:45**
